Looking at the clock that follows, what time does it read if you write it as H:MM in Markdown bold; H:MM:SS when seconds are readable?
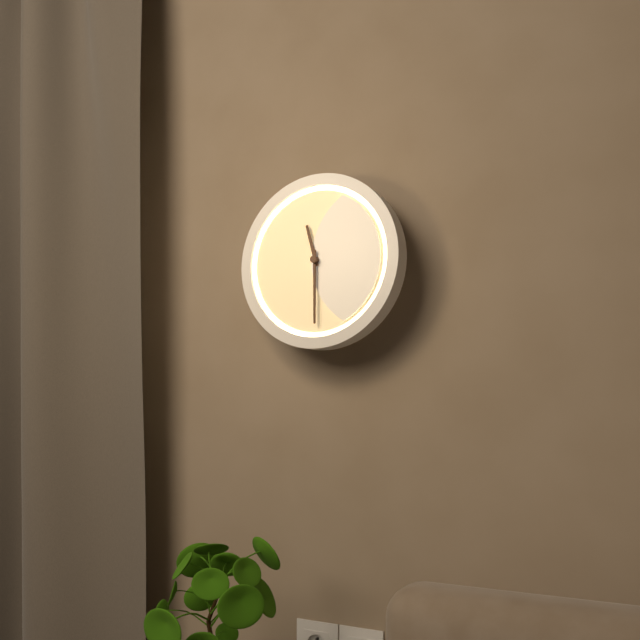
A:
**11:30**
